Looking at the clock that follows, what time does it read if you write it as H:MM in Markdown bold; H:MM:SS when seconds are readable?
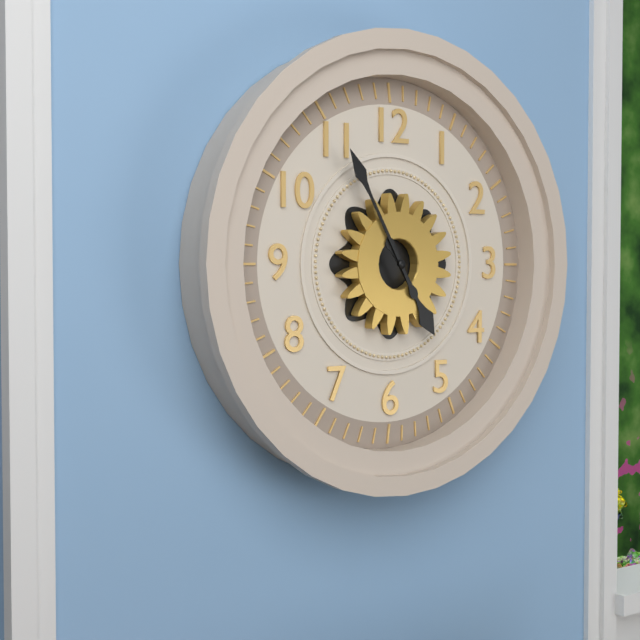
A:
**4:55**
